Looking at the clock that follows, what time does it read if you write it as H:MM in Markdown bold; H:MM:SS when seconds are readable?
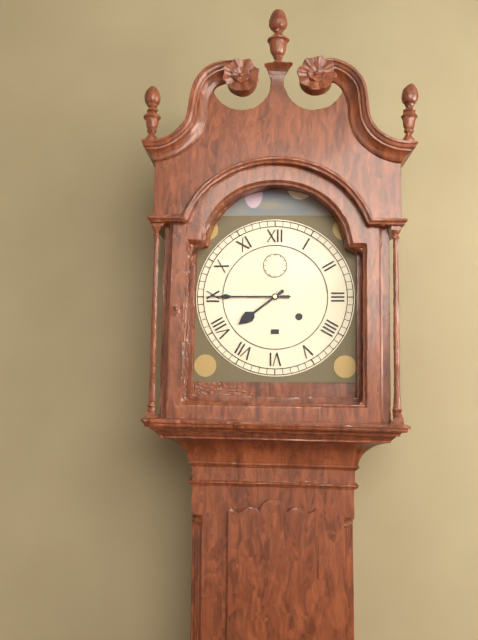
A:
**7:45**
